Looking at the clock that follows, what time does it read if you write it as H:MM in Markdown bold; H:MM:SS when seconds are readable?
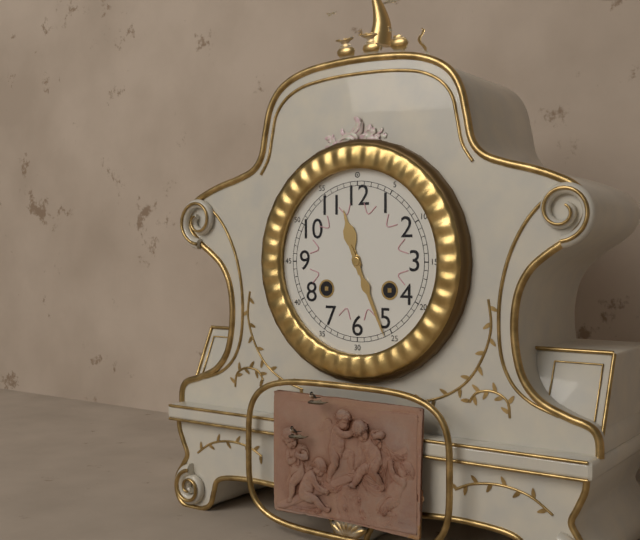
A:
**11:26**
